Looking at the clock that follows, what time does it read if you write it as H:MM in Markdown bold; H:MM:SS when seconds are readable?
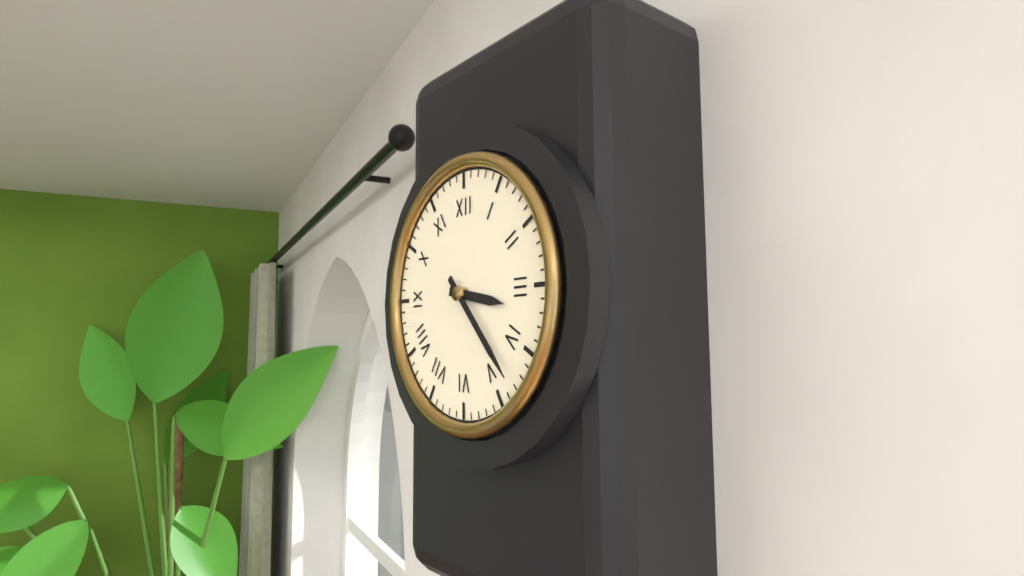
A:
**3:23**
